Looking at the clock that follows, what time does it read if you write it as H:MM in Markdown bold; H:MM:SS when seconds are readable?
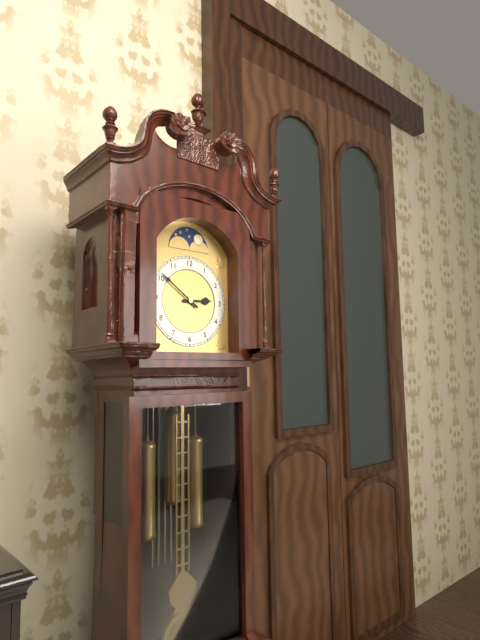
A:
**2:51**
